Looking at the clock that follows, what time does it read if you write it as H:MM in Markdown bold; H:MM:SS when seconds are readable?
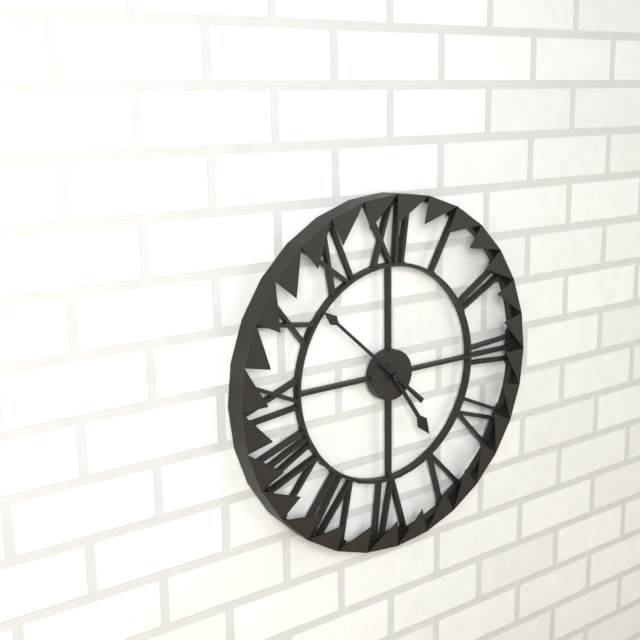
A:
**4:52**
